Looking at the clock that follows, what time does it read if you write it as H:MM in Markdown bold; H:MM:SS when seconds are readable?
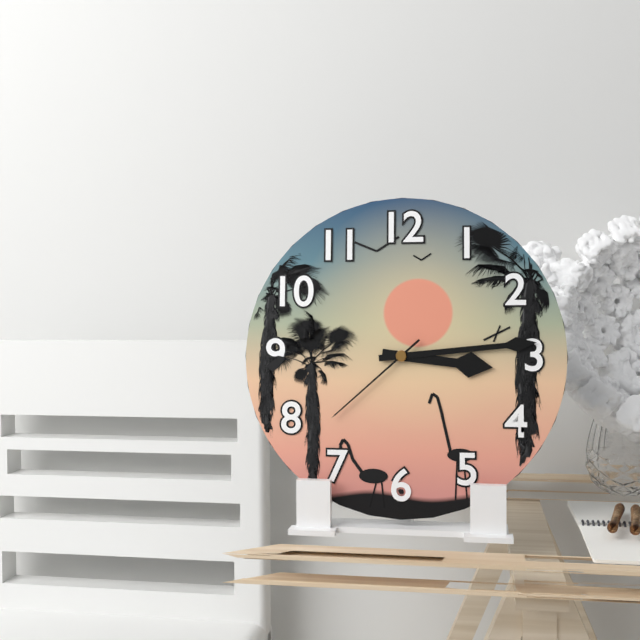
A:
**3:14:38**
